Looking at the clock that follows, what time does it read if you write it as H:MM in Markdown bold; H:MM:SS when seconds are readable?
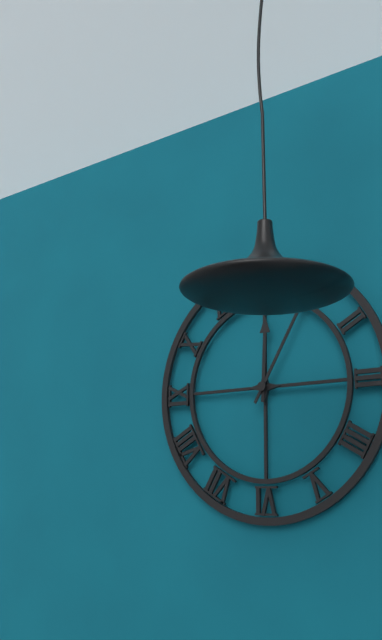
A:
**12:05**
